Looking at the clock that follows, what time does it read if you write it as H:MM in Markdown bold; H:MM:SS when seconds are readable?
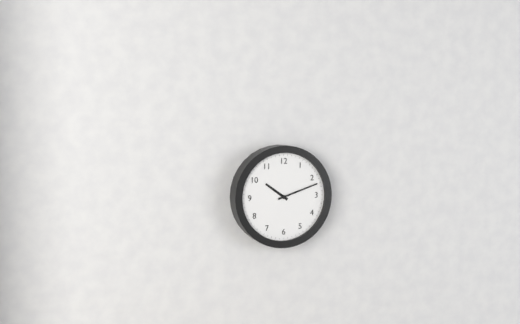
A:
**10:12**
